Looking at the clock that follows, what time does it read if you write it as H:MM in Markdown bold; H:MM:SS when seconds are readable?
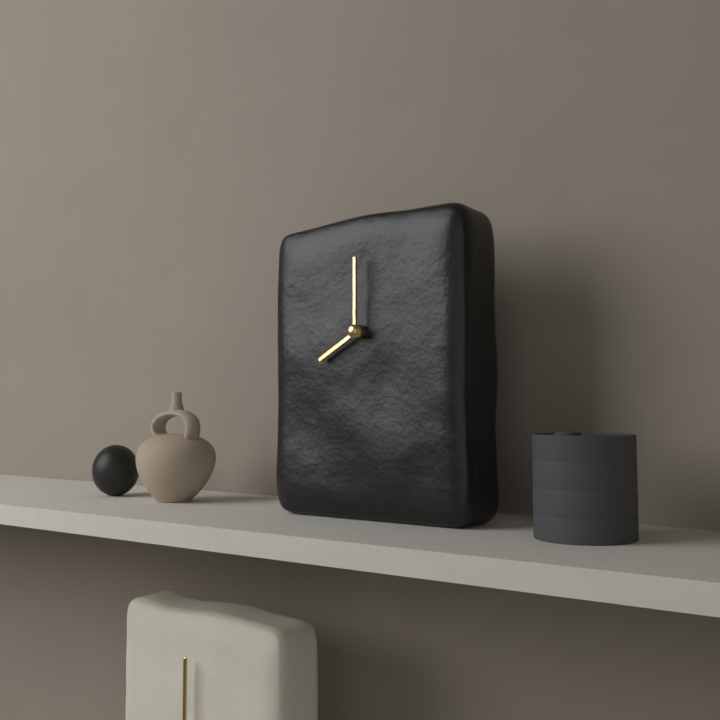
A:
**8:00**
